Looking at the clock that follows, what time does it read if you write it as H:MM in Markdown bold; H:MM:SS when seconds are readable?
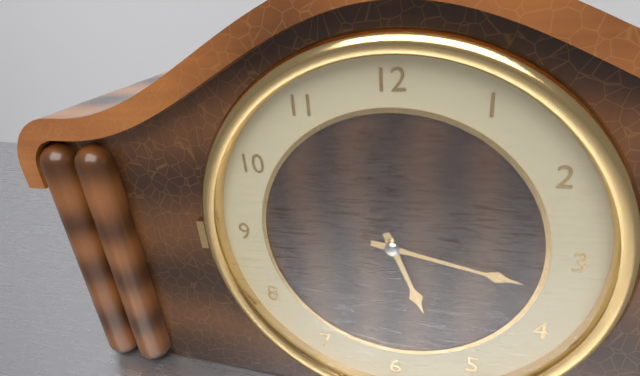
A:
**5:17**
